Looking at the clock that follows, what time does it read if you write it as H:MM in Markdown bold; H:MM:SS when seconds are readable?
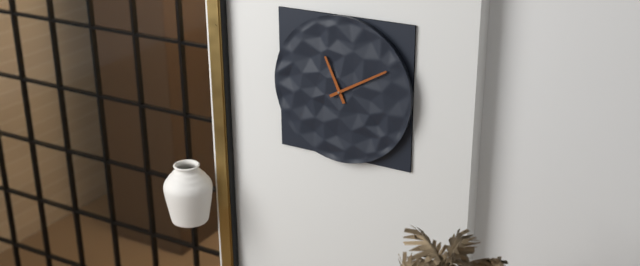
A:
**11:10**
